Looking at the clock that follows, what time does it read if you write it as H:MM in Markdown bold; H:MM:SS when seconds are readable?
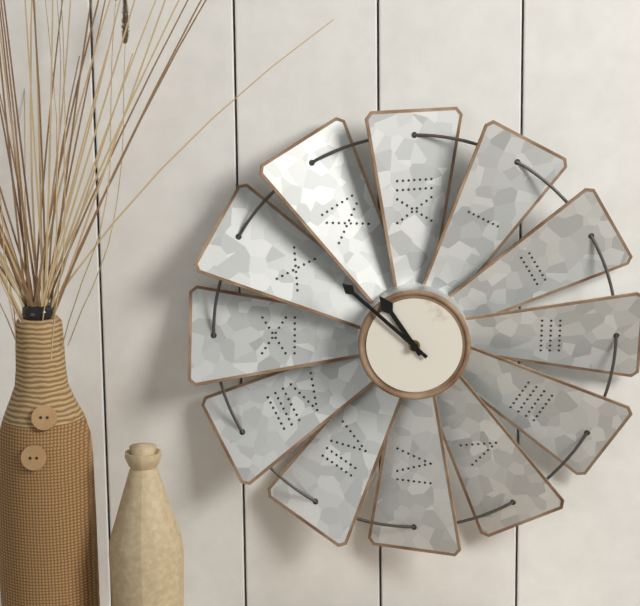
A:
**10:52**
